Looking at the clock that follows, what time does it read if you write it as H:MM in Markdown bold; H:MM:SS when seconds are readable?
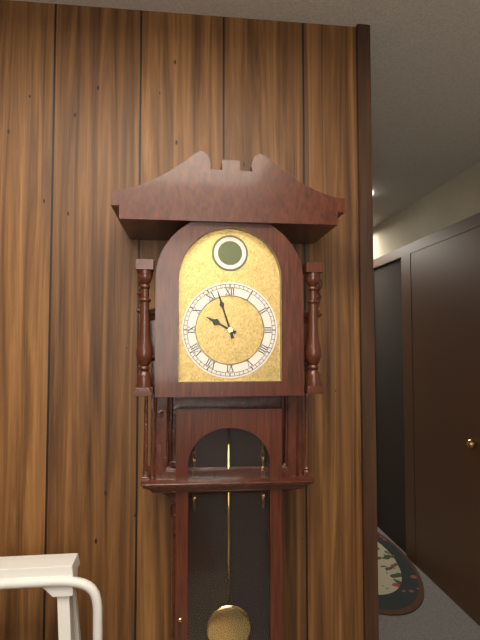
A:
**9:57**
